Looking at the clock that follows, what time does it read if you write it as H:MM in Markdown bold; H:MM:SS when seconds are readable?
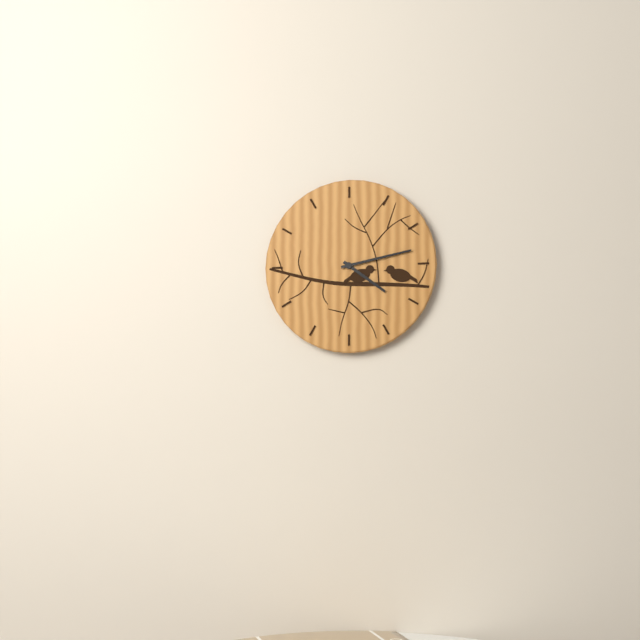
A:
**4:13**
